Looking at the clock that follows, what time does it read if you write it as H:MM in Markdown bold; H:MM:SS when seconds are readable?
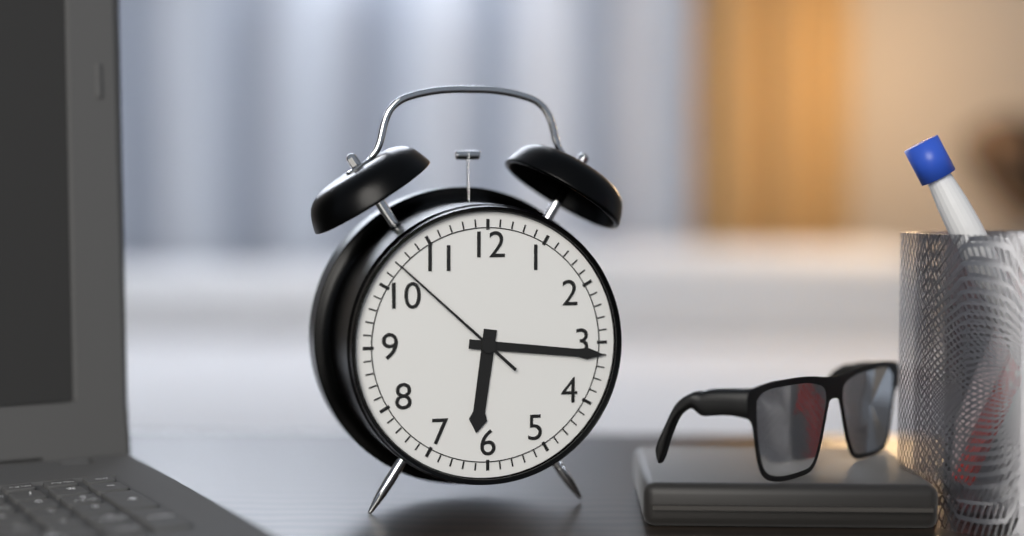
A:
**6:16:52**
